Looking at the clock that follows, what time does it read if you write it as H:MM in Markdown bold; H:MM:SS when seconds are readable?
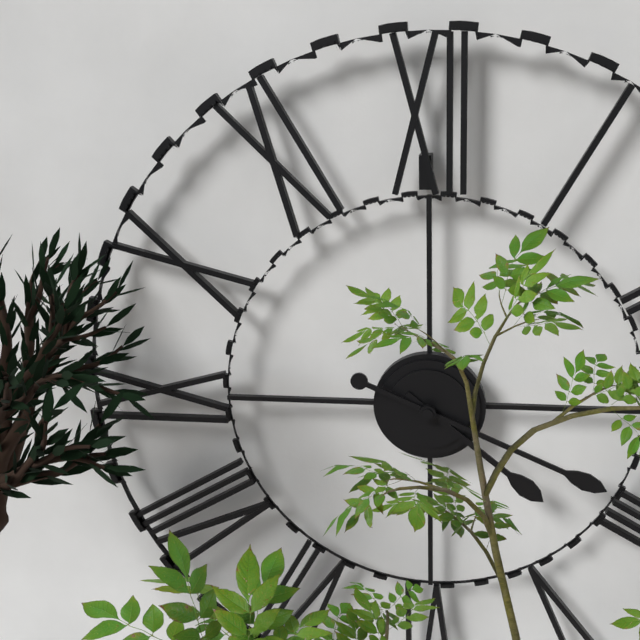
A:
**4:19**
